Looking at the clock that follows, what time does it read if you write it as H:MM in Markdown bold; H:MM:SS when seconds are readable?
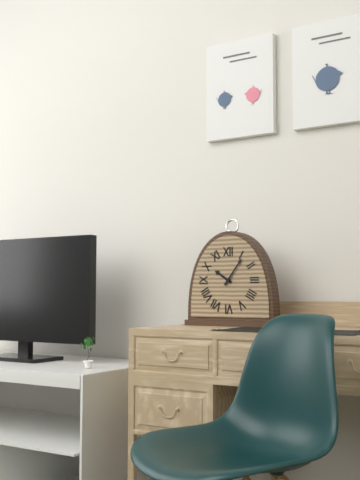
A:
**10:06**
